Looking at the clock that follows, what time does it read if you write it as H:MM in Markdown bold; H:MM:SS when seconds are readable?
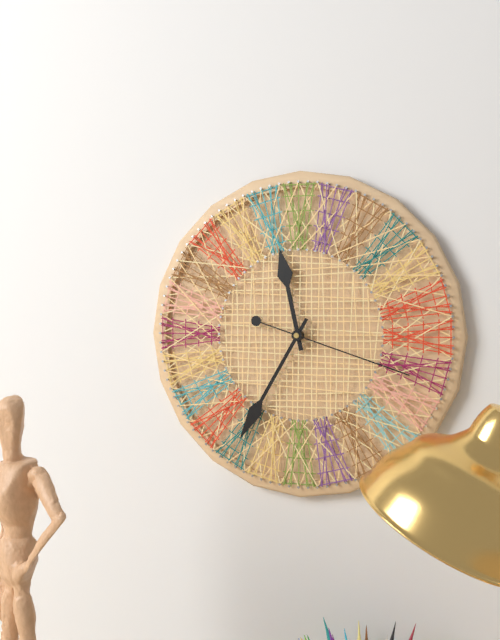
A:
**11:35:18**
